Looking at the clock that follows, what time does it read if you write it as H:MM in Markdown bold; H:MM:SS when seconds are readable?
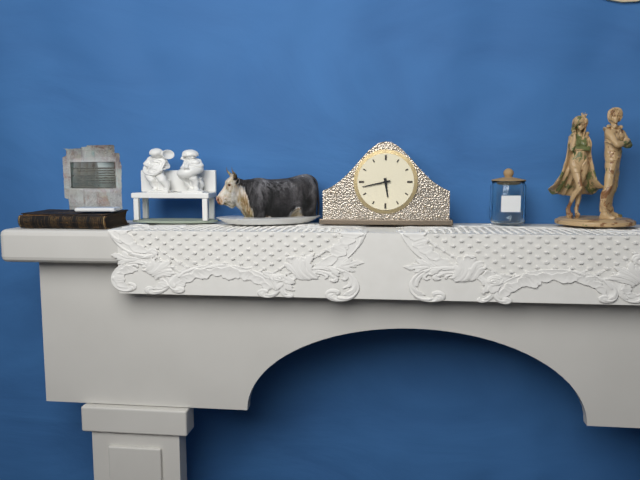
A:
**5:43**
